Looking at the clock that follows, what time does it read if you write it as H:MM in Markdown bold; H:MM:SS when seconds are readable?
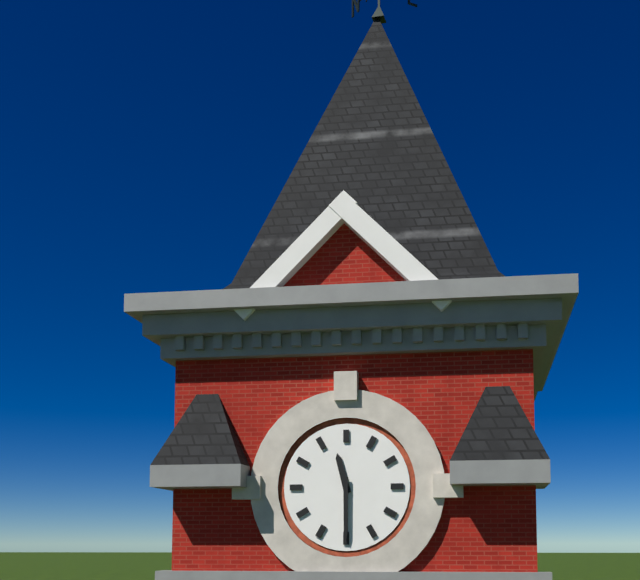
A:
**11:30**
